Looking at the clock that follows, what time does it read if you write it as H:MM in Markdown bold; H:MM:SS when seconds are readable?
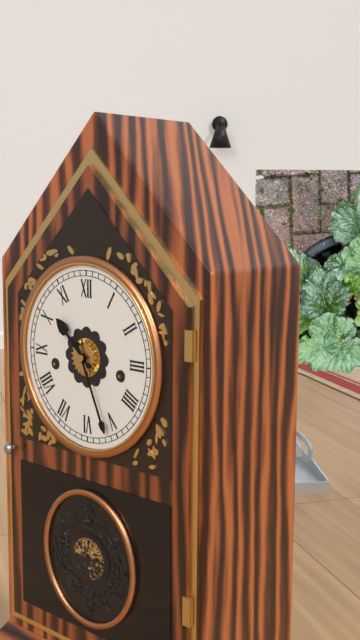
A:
**10:26**
